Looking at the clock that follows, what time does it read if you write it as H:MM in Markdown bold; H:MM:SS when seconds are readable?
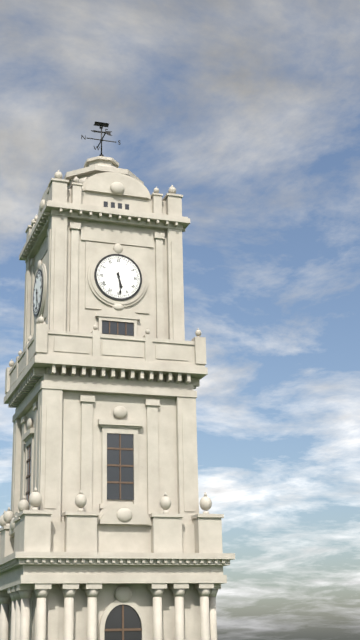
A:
**5:29**
